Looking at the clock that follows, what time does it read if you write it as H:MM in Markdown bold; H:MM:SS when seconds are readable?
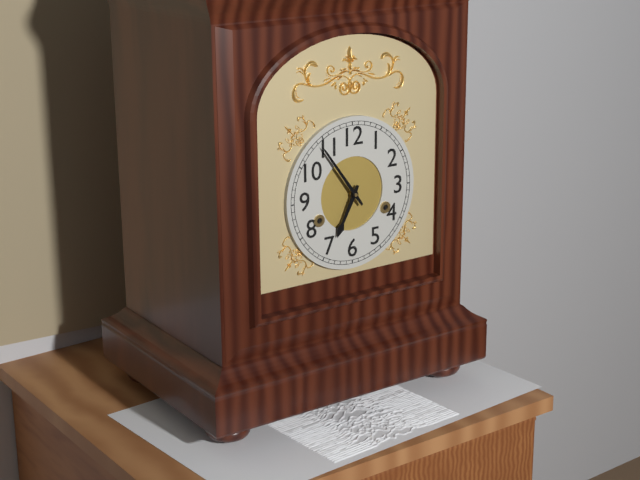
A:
**6:54**
